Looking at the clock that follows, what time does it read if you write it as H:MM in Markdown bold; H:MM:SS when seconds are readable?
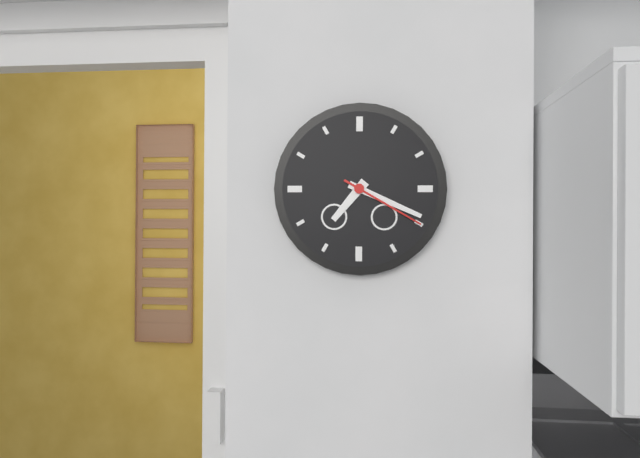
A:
**7:19:20**
